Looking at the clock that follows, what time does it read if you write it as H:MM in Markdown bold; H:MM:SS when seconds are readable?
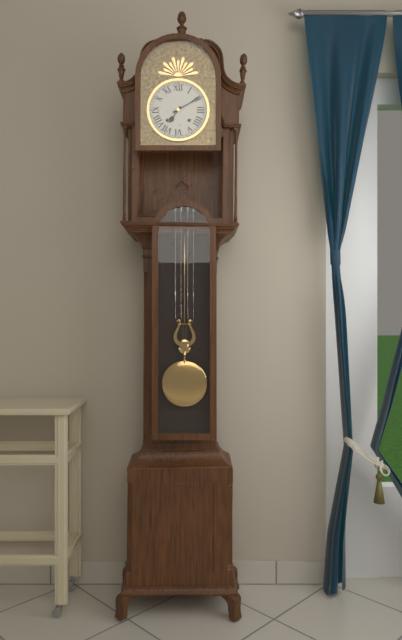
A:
**7:10**
